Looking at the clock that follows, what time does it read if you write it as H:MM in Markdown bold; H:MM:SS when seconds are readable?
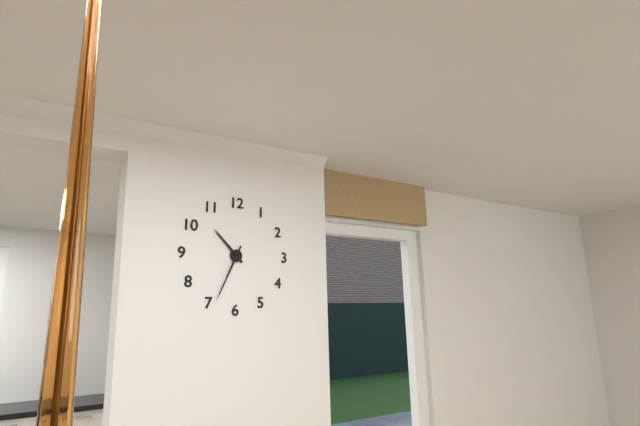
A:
**10:34**
